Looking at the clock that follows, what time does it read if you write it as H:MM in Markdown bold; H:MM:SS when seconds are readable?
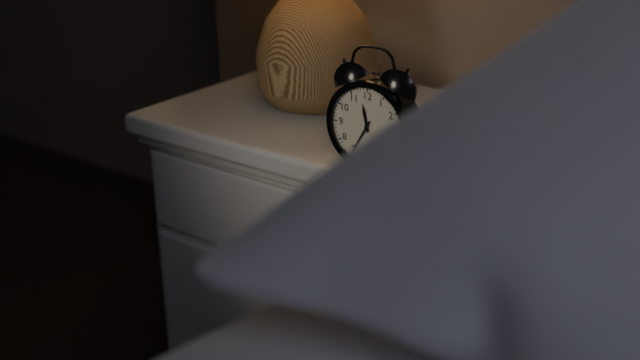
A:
**11:35**
